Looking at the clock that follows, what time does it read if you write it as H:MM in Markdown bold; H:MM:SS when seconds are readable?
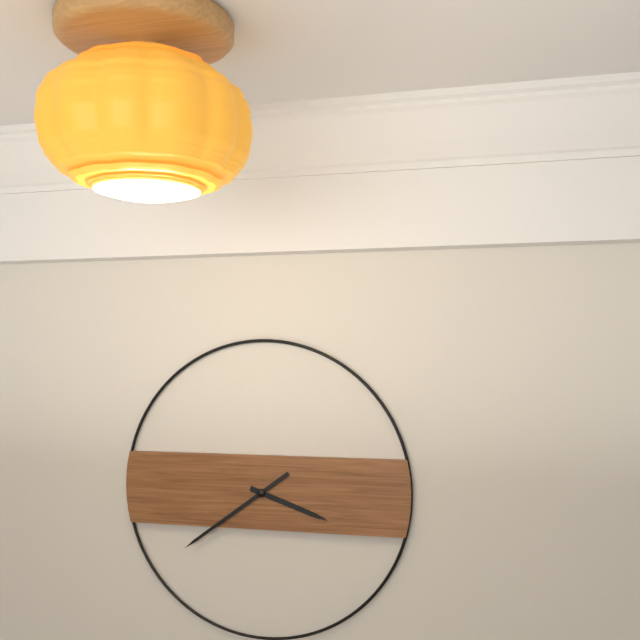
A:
**3:39**
